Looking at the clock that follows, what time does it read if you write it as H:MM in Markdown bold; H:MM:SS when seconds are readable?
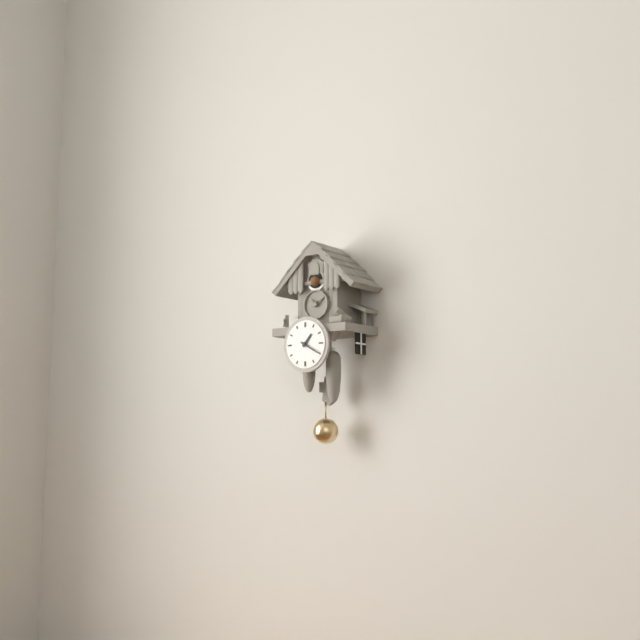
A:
**1:20**
